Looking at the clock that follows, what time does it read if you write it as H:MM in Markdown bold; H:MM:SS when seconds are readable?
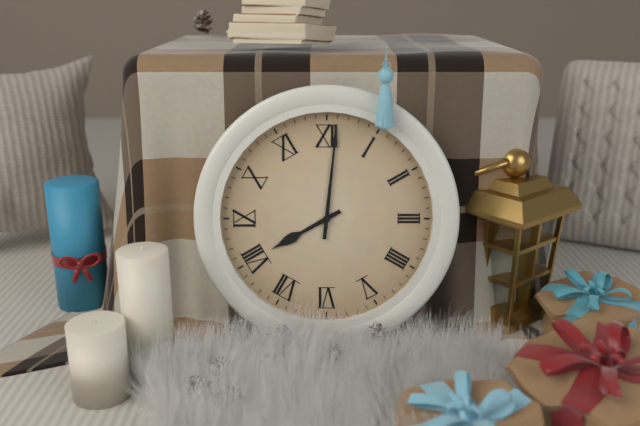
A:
**8:01**
